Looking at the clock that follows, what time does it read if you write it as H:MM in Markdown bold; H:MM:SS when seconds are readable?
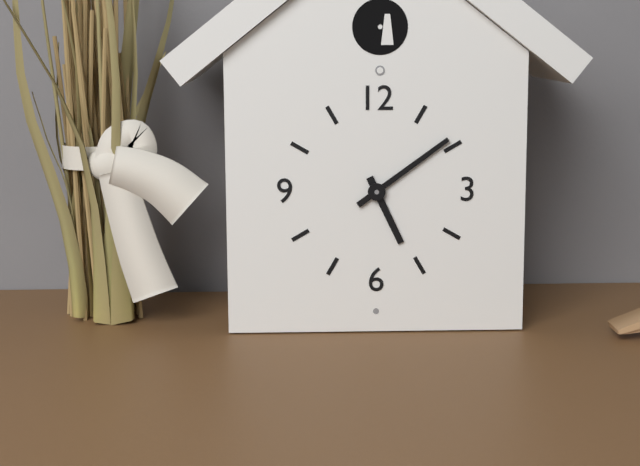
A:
**5:09**
